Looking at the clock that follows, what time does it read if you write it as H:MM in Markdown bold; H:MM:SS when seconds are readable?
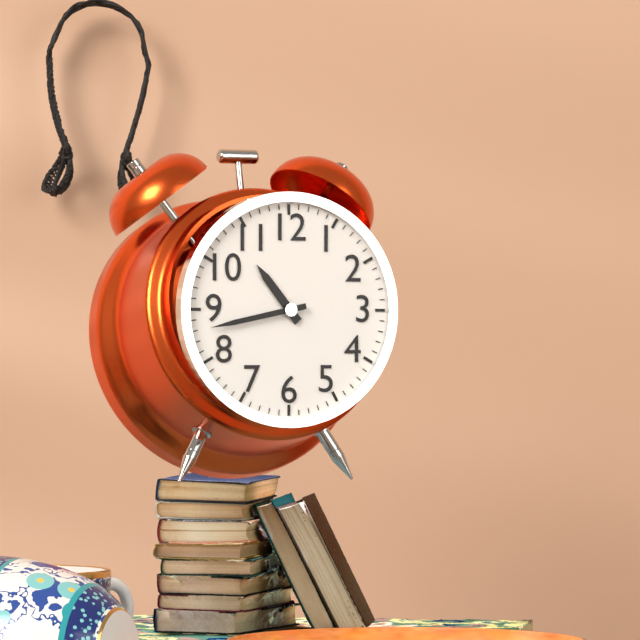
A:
**10:43**
